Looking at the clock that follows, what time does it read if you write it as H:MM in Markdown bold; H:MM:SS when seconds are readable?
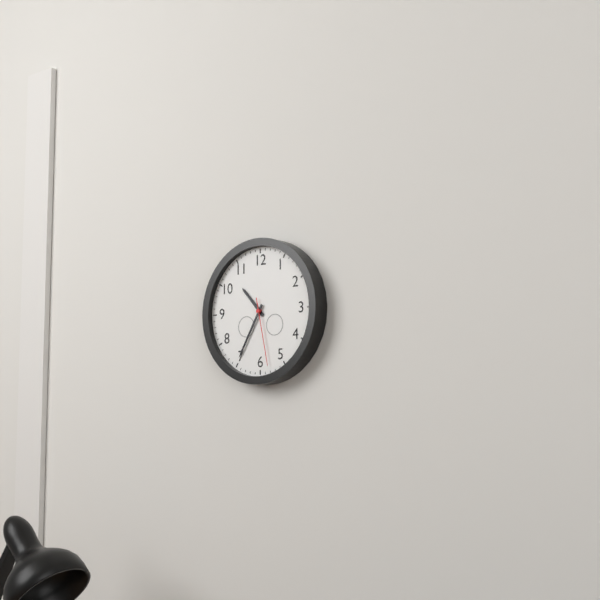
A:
**10:35:28**
